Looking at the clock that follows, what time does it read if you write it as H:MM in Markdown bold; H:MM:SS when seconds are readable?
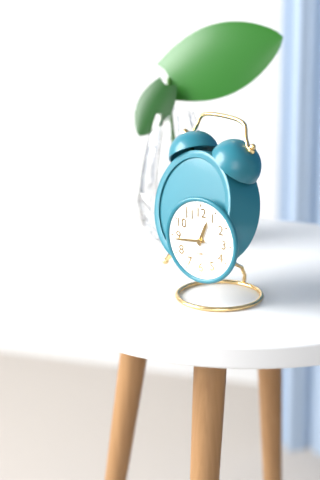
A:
**12:44**
